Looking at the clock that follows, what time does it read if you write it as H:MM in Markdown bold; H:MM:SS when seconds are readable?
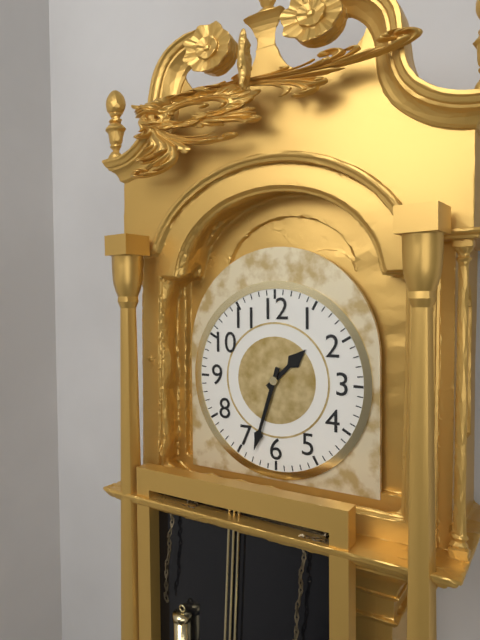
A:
**1:33**
